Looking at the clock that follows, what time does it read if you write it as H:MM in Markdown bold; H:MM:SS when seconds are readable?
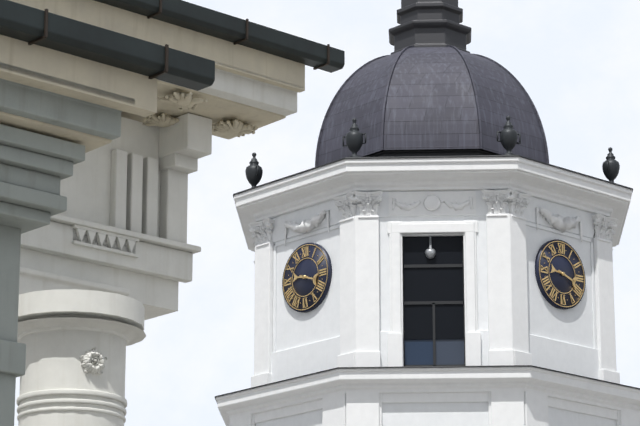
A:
**9:18**
